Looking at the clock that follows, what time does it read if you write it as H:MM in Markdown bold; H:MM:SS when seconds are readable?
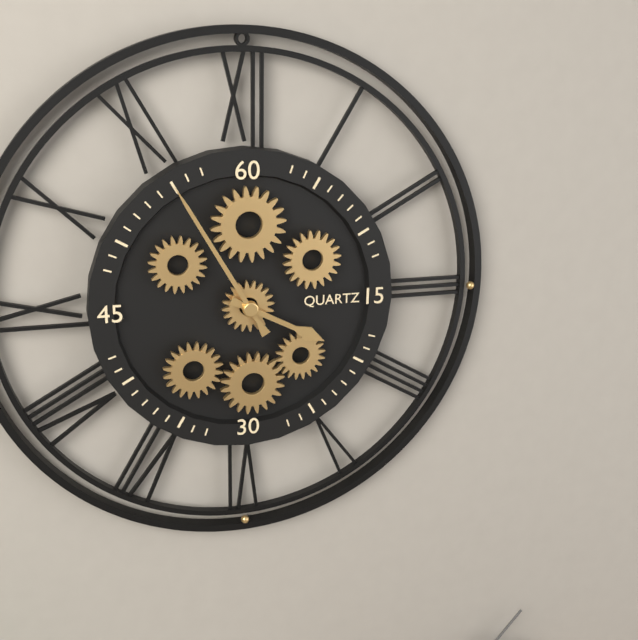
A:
**3:55**
